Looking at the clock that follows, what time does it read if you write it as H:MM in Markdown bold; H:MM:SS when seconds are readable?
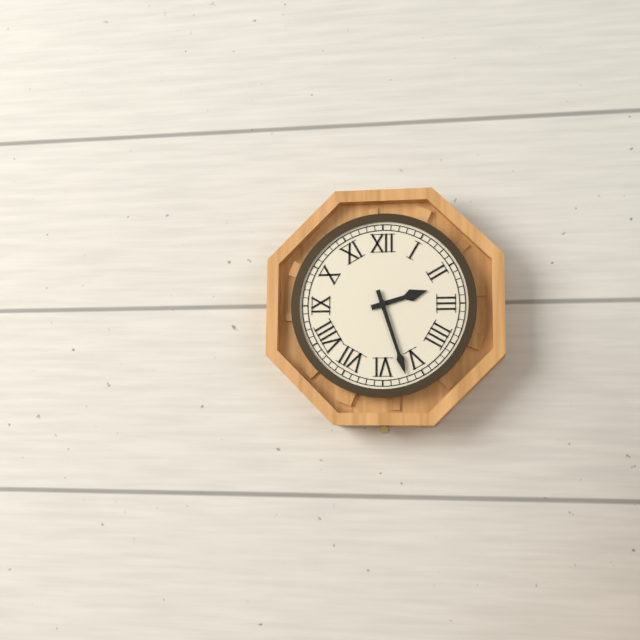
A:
**2:27**
